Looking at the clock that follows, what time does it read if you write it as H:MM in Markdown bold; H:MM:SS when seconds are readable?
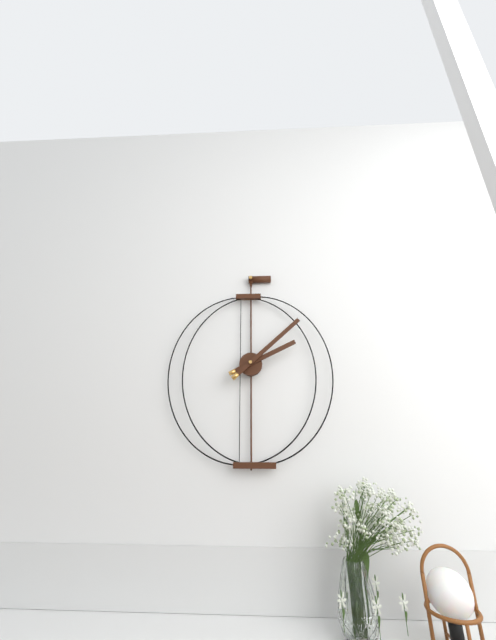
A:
**2:08**
